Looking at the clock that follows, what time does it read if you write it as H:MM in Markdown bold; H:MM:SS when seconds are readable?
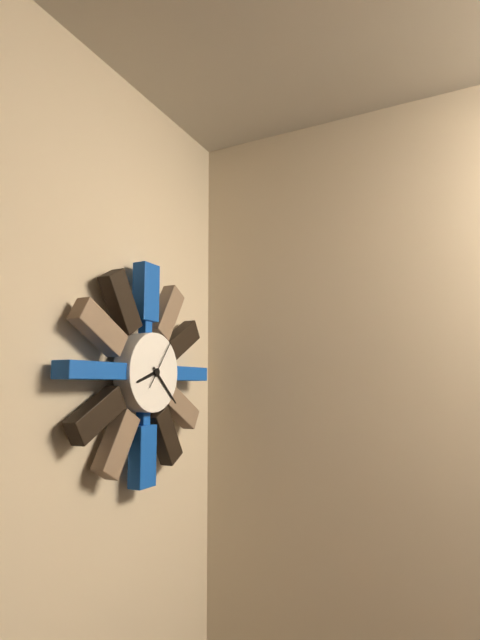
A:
**8:22**
